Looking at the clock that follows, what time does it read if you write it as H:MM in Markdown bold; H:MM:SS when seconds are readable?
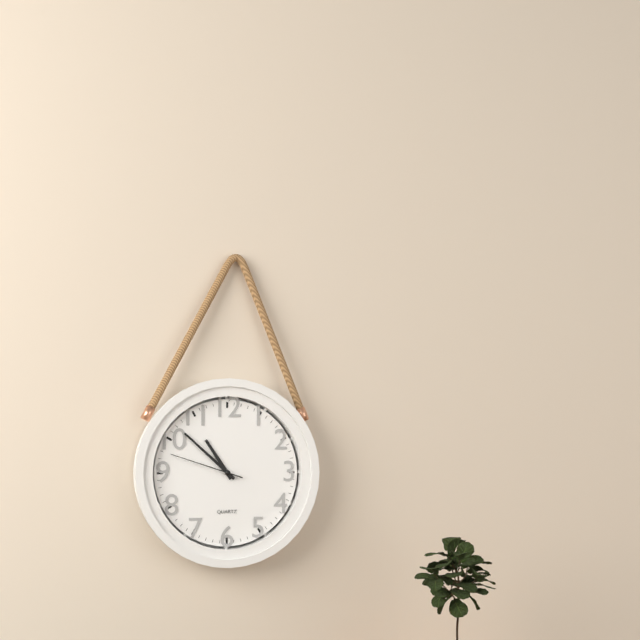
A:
**10:52:48**
